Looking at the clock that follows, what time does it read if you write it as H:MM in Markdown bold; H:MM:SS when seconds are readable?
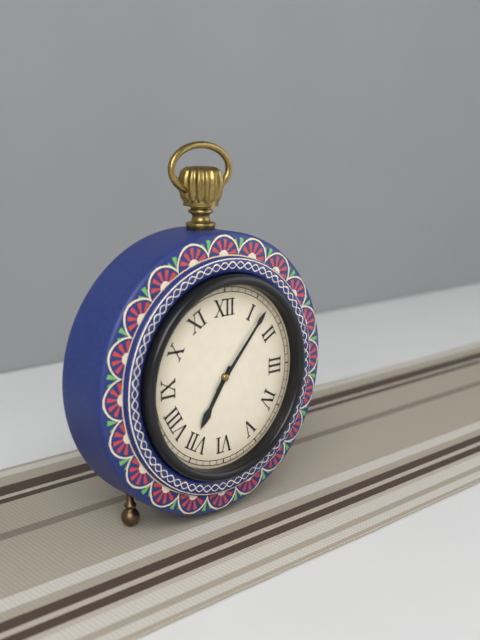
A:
**7:07**
